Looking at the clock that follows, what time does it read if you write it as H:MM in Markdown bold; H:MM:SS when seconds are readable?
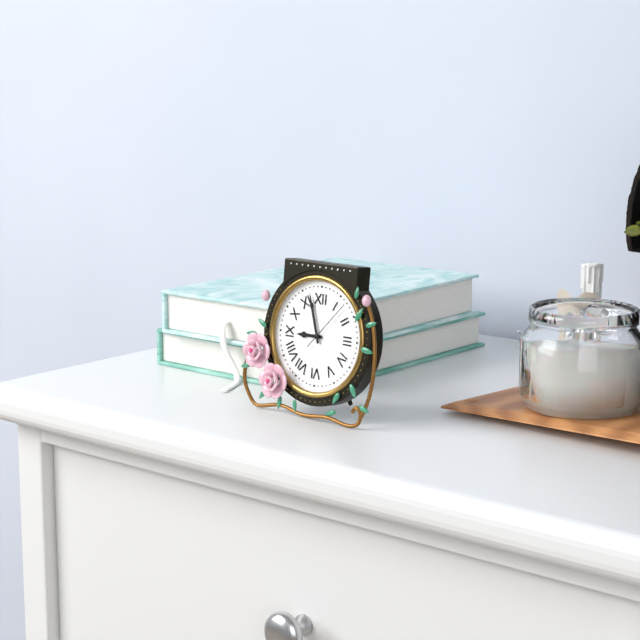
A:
**8:57:07**
